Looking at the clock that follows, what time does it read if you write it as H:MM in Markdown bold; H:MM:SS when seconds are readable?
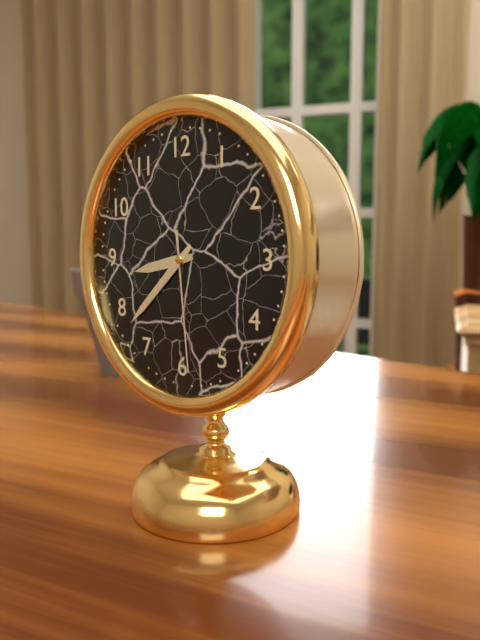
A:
**8:38:29**
